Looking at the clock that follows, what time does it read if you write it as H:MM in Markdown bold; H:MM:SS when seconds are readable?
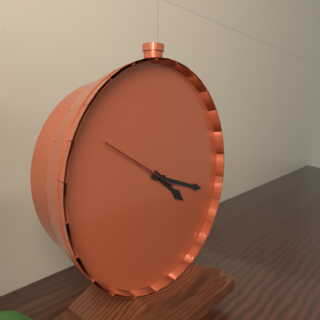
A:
**4:18:50**
